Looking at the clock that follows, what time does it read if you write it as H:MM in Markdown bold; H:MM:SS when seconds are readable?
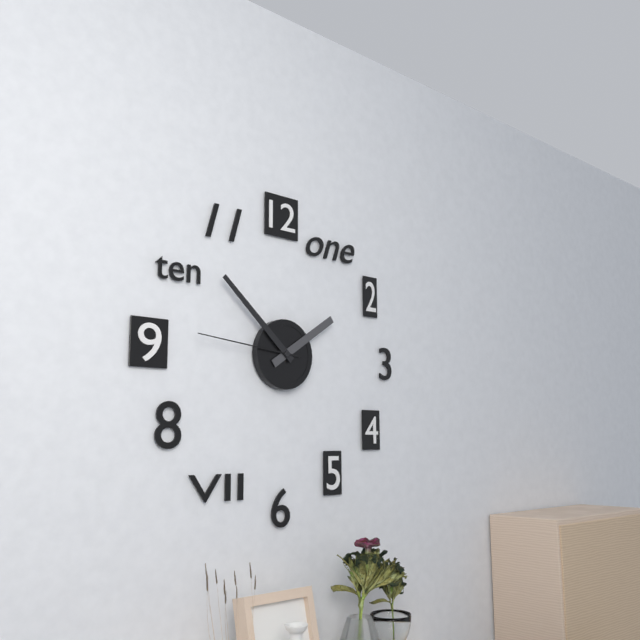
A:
**1:52:46**
